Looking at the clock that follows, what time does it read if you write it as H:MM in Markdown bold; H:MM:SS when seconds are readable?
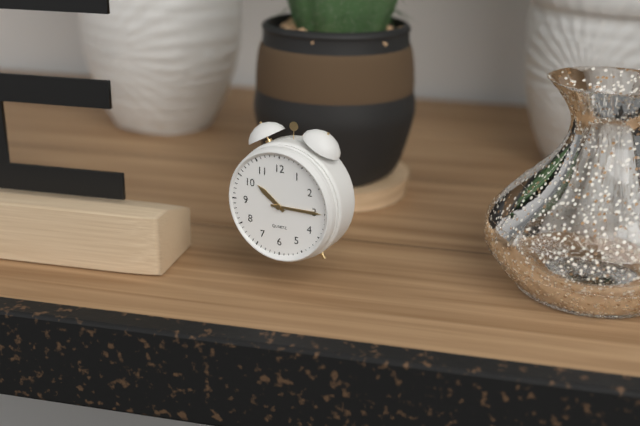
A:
**10:15**
